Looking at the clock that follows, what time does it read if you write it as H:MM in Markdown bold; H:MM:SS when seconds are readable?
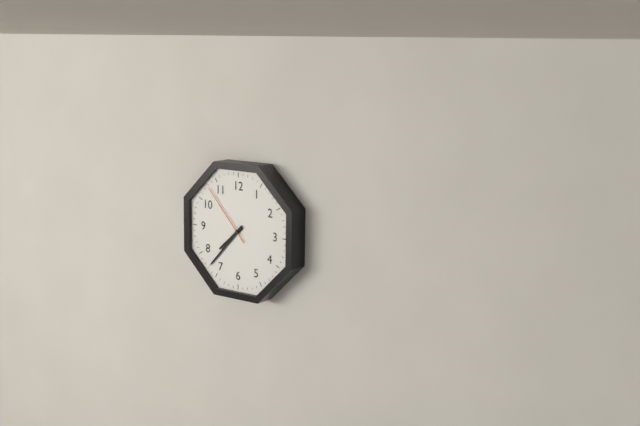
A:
**7:37:53**
